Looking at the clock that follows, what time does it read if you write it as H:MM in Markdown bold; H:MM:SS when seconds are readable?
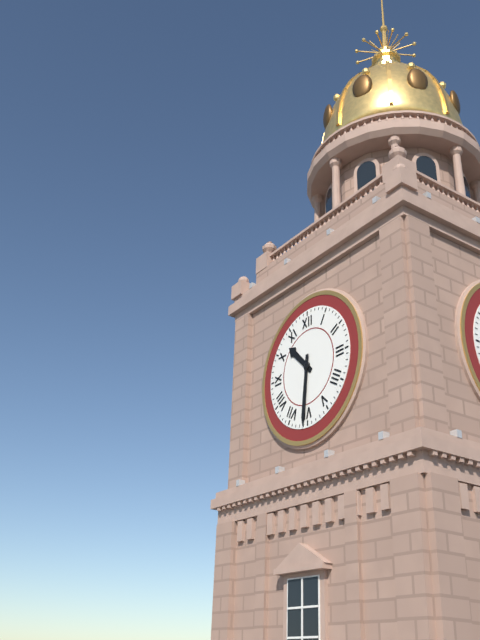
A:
**10:31**
